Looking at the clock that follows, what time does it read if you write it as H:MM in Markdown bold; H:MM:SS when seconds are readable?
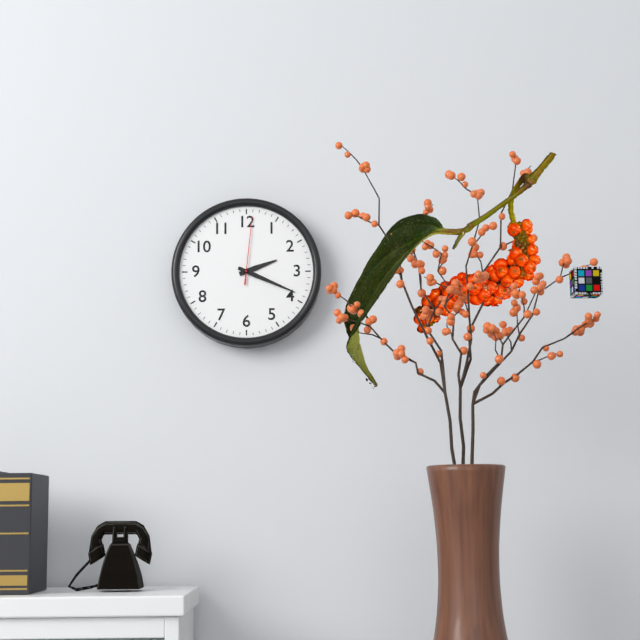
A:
**2:19:01**
